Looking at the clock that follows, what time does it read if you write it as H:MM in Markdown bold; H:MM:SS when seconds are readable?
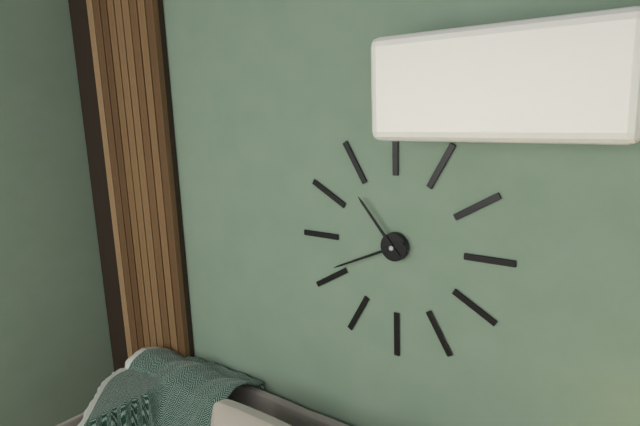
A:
**10:41**
